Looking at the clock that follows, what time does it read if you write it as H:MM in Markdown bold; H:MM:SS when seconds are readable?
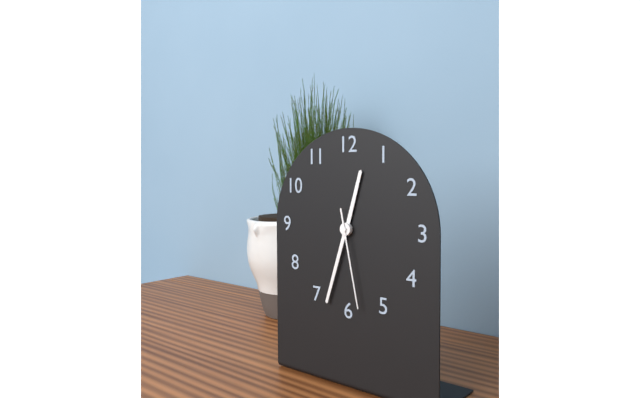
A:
**12:33:28**
